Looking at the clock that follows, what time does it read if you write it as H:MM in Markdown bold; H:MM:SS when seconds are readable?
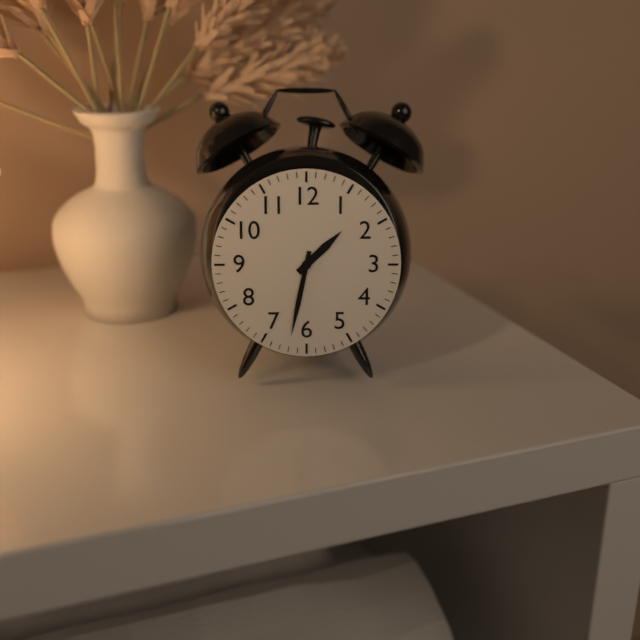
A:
**1:32**
